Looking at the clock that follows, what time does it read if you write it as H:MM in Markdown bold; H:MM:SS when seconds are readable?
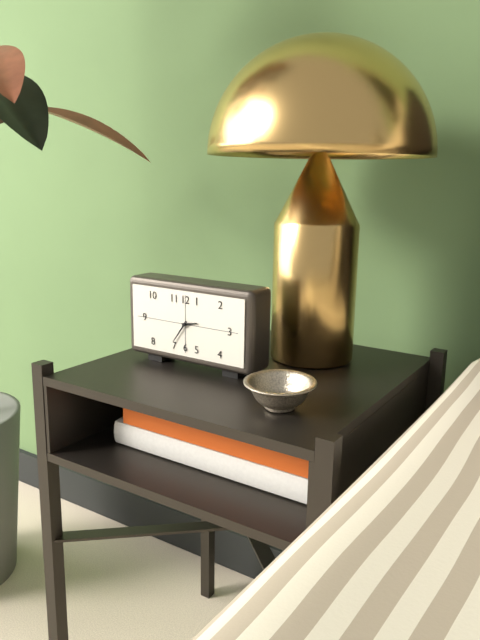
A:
**2:36**
